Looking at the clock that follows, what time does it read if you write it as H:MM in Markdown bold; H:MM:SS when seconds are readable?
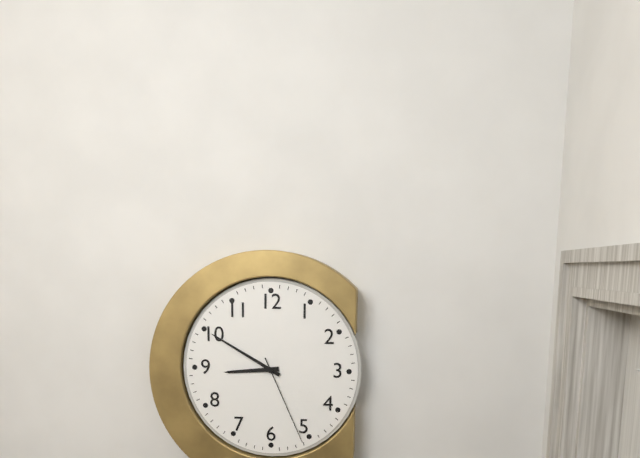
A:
**8:50:26**
